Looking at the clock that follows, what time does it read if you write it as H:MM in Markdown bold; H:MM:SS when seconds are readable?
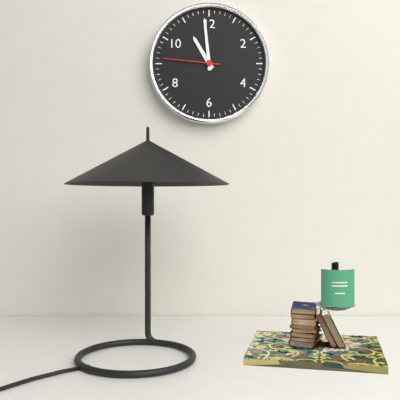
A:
**10:59:46**
